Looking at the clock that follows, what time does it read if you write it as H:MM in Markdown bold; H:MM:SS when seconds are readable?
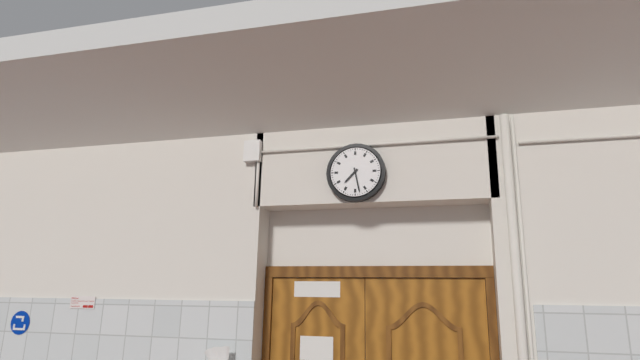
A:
**7:28**
